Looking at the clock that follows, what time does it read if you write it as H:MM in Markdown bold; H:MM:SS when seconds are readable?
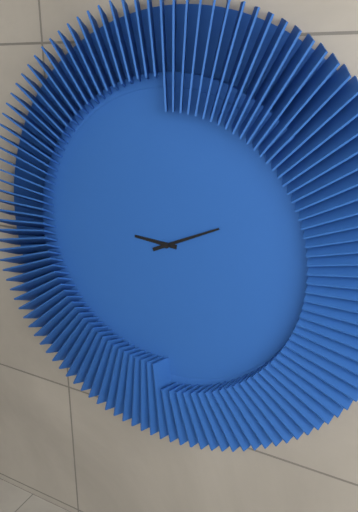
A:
**9:11**
